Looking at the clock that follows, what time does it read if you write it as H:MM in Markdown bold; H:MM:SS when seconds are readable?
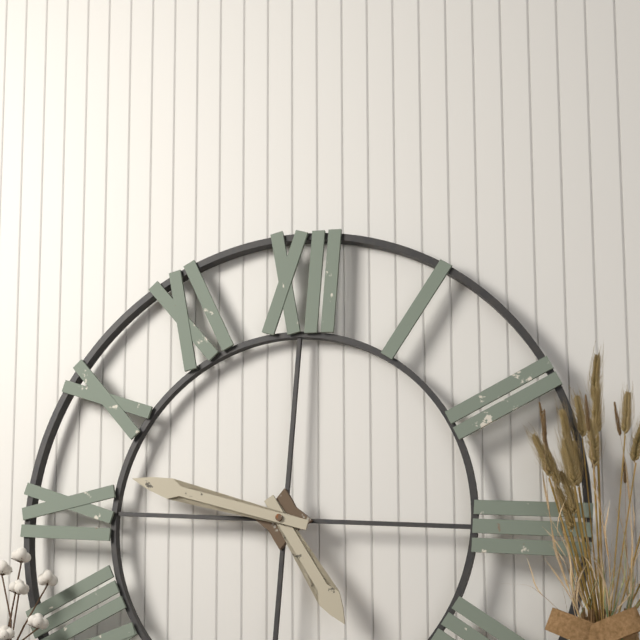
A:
**4:47**
